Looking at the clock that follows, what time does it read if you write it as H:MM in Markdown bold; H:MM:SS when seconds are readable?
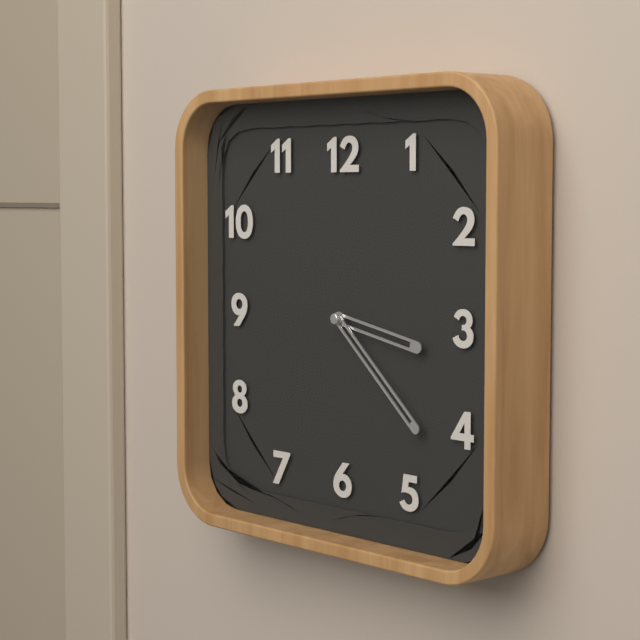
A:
**3:22**
